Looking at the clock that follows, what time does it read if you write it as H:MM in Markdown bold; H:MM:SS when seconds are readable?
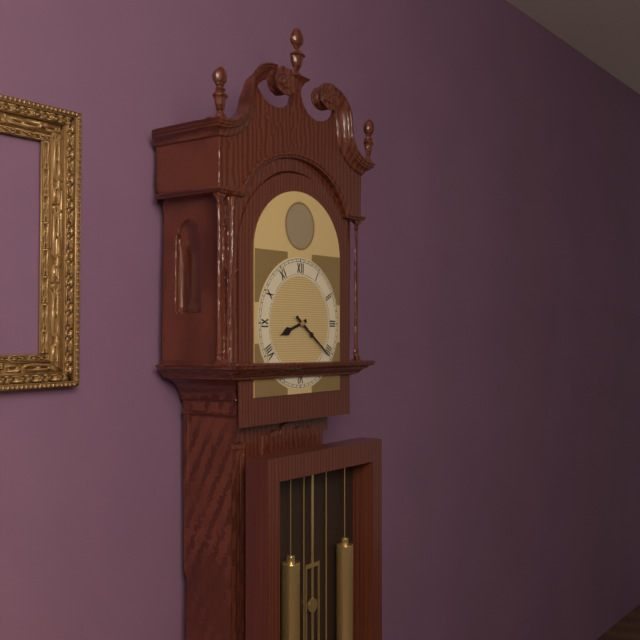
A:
**8:21**
